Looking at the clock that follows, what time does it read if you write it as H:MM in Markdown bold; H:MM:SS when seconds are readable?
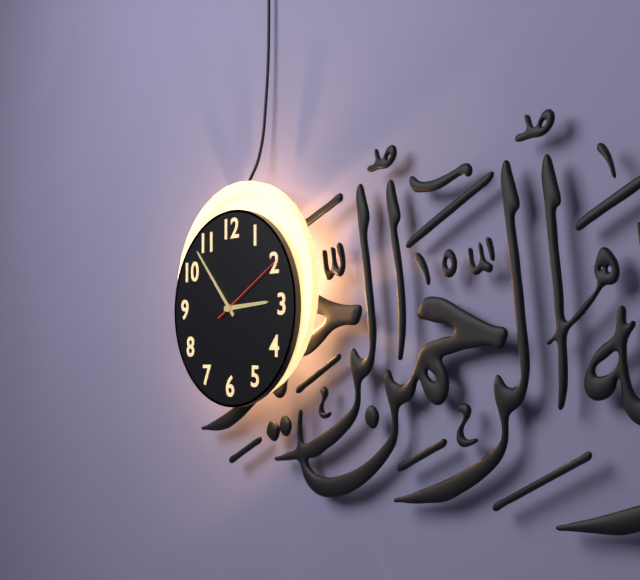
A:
**2:53:10**
